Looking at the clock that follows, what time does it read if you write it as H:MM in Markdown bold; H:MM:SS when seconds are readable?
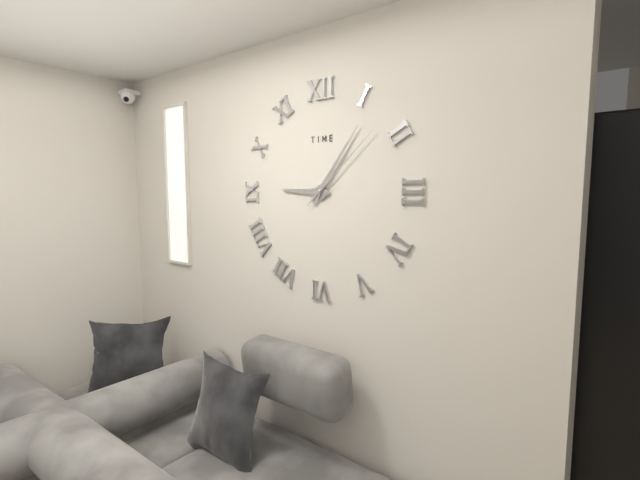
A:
**9:06:08**
